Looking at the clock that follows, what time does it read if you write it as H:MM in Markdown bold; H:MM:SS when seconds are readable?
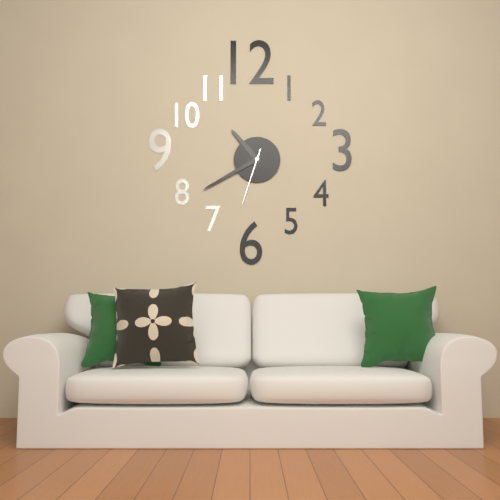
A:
**10:40:33**
